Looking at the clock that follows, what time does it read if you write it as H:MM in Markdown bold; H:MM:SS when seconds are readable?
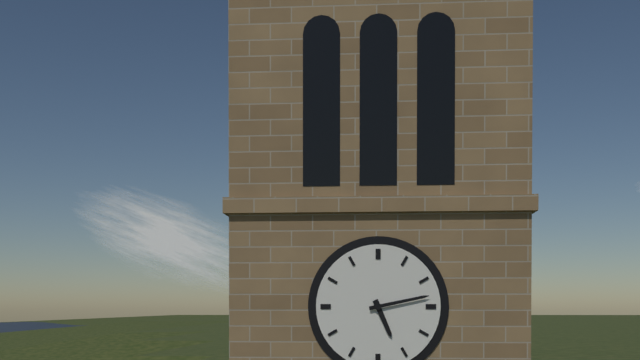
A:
**5:13**
